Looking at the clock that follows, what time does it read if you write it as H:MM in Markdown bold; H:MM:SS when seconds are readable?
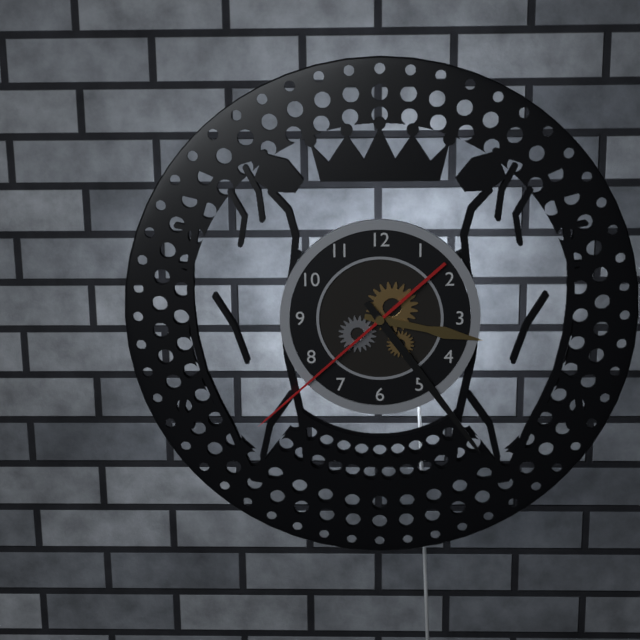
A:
**3:24:38**
